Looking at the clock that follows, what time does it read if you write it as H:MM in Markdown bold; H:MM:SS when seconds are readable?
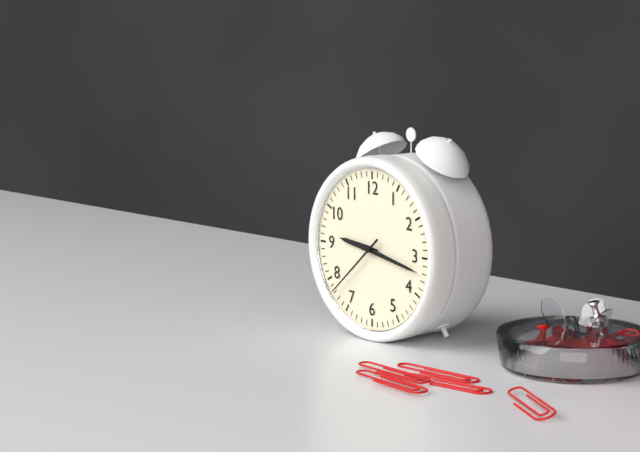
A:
**9:17:38**
